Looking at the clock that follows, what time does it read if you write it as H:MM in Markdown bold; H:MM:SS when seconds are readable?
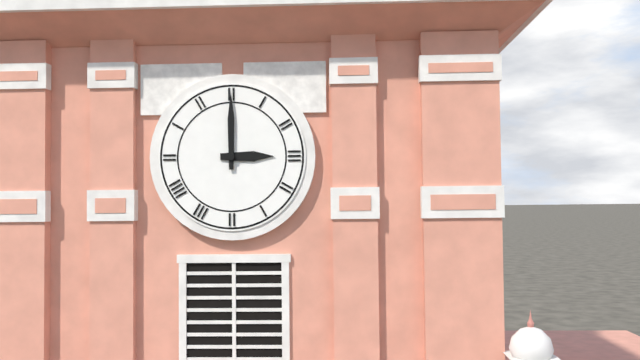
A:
**3:00**
